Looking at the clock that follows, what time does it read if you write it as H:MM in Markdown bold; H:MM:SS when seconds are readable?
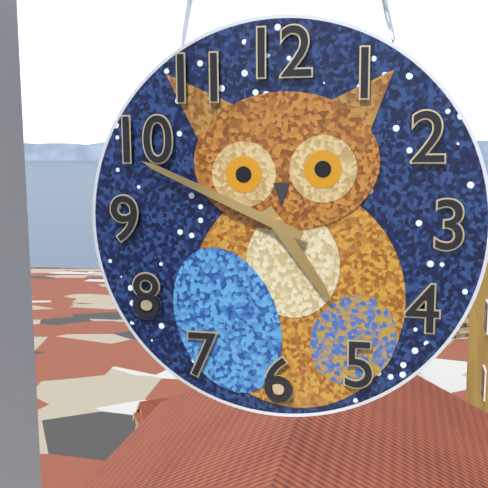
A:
**4:49**
